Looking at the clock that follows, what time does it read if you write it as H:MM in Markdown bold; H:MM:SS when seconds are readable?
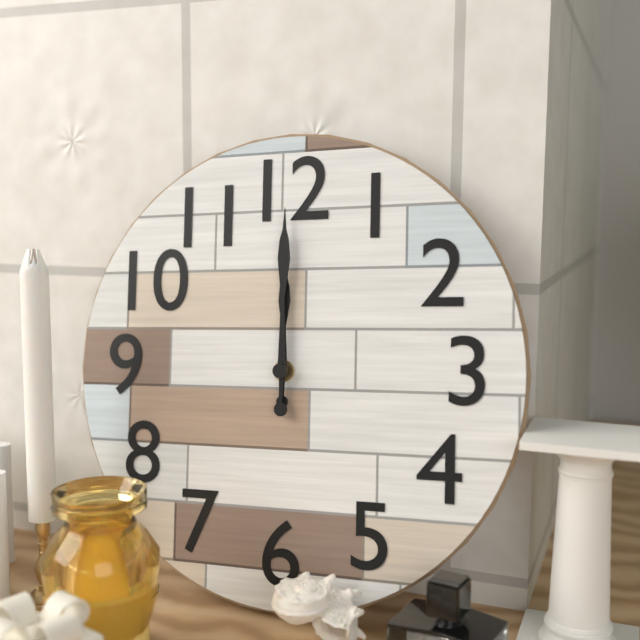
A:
**12:00**
